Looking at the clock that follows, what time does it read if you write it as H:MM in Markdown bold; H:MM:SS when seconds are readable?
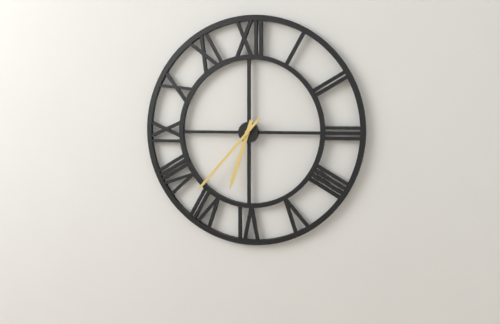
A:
**6:37**
